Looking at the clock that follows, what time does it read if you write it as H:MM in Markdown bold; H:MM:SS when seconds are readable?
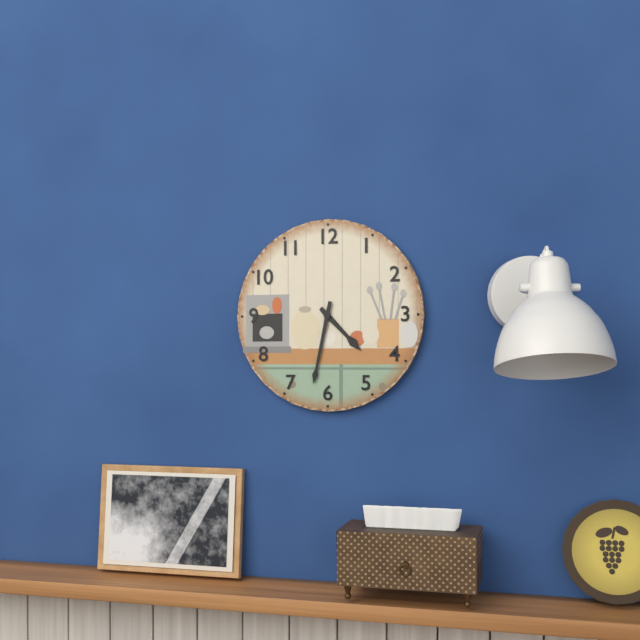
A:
**4:32**
